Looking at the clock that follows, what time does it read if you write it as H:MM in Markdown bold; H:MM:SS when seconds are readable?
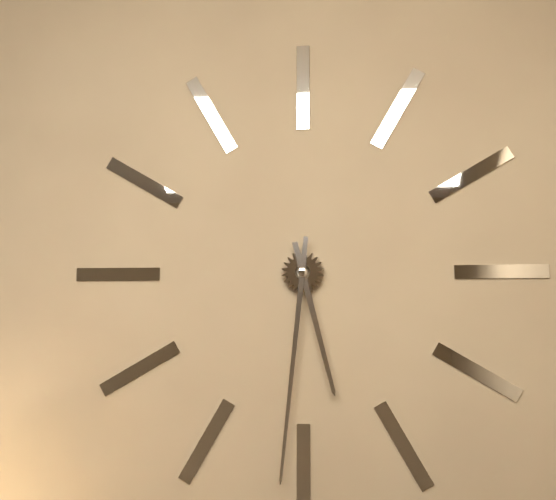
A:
**5:31**
